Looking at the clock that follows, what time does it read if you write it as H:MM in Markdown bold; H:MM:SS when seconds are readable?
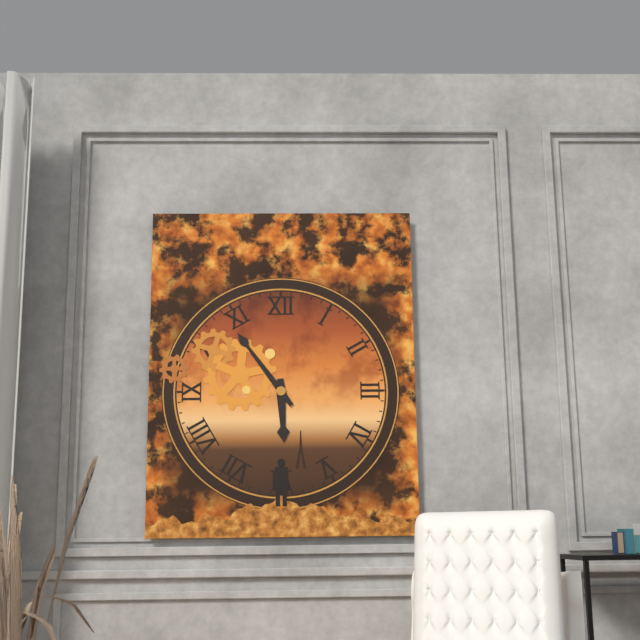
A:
**5:54**
